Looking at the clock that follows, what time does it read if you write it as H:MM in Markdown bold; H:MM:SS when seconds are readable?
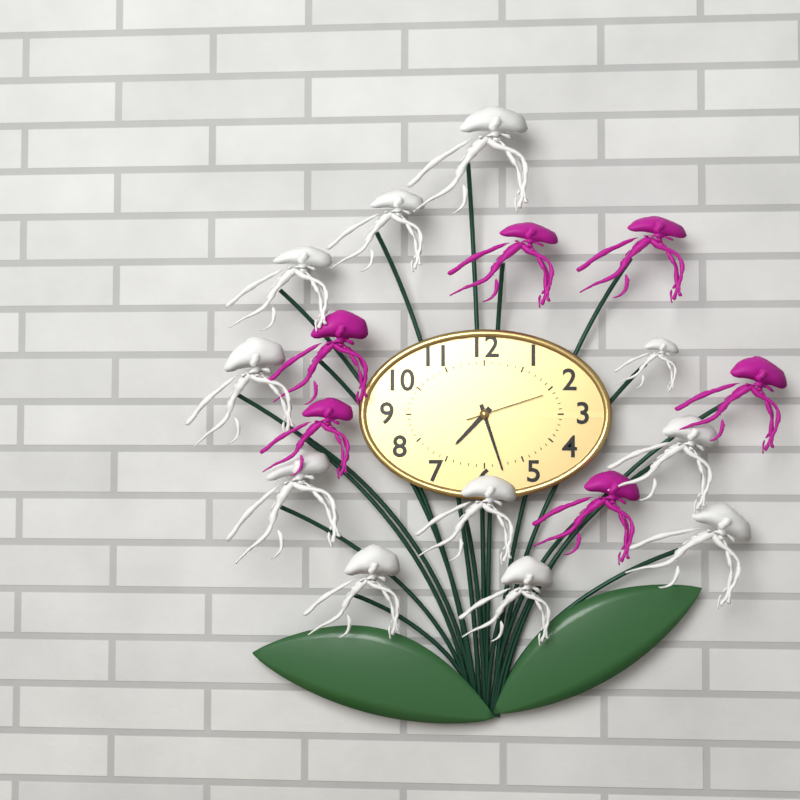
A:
**7:27:12**
